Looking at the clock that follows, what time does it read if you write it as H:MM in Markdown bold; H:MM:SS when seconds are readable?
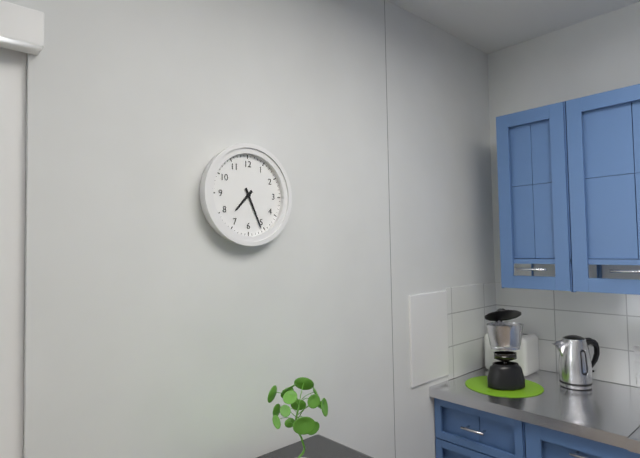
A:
**7:26**
